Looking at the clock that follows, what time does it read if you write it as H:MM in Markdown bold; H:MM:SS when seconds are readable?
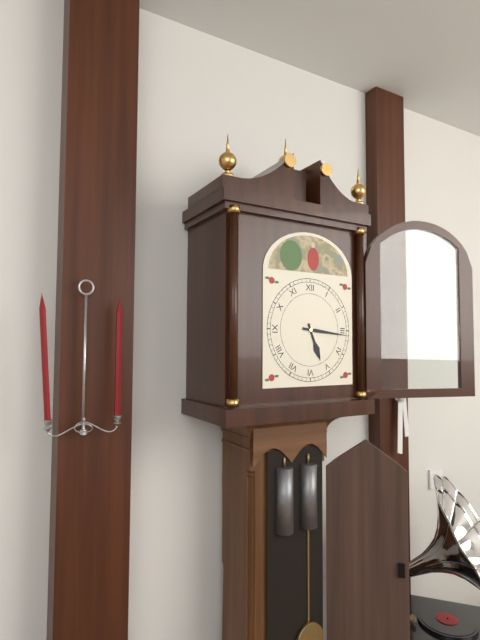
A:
**5:16**
